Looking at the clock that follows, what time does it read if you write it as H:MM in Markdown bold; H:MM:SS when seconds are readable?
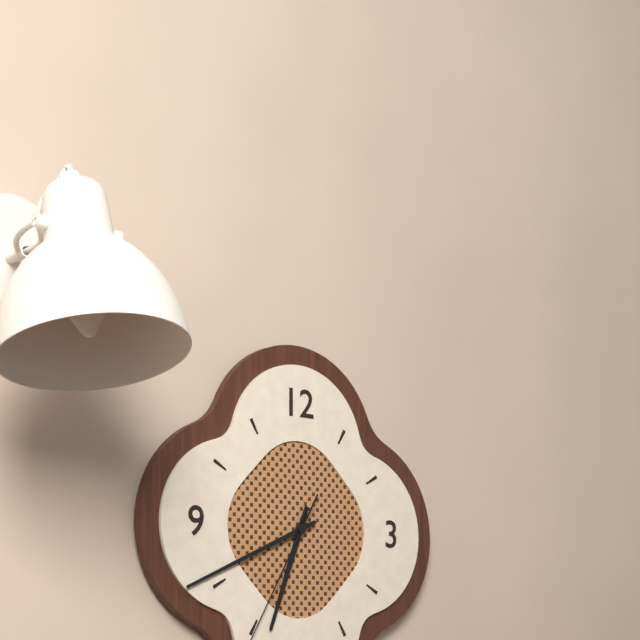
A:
**6:41**
